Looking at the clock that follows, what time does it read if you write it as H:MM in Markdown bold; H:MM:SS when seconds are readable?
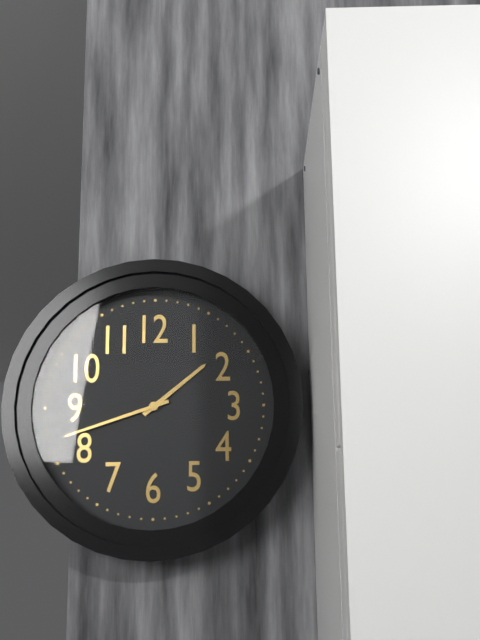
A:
**1:42**
